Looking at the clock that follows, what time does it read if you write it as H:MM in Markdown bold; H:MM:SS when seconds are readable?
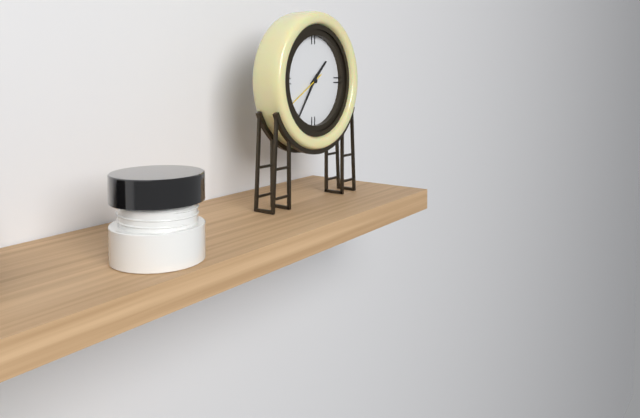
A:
**1:36**
